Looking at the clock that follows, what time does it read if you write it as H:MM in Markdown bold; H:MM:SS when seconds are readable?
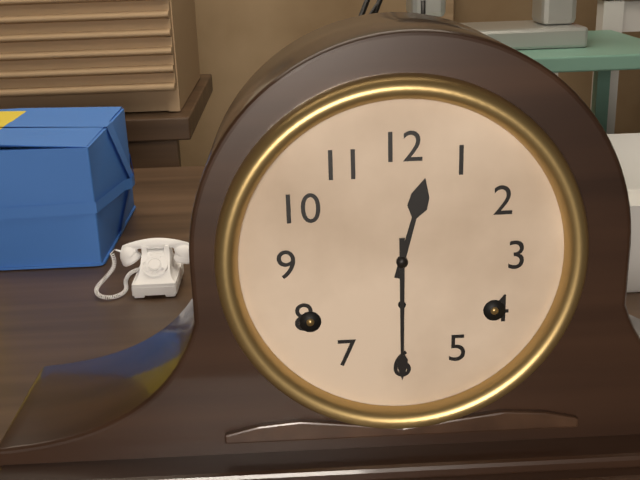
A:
**12:30**
